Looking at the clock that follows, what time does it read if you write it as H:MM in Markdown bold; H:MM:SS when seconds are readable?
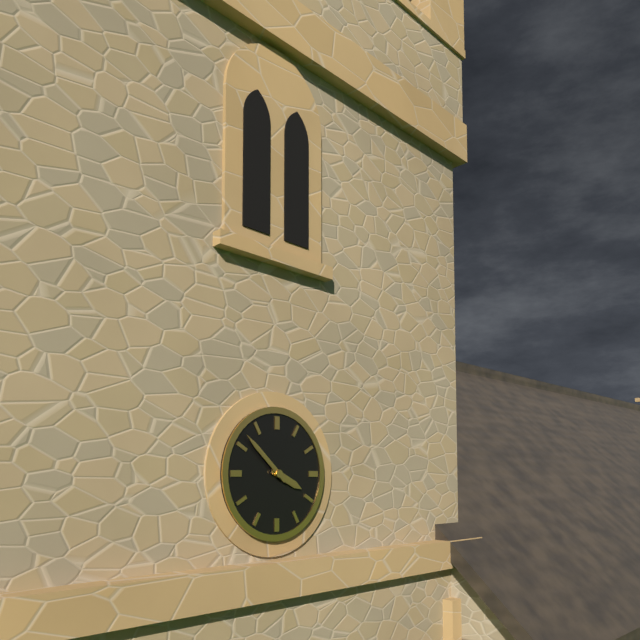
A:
**3:52**
